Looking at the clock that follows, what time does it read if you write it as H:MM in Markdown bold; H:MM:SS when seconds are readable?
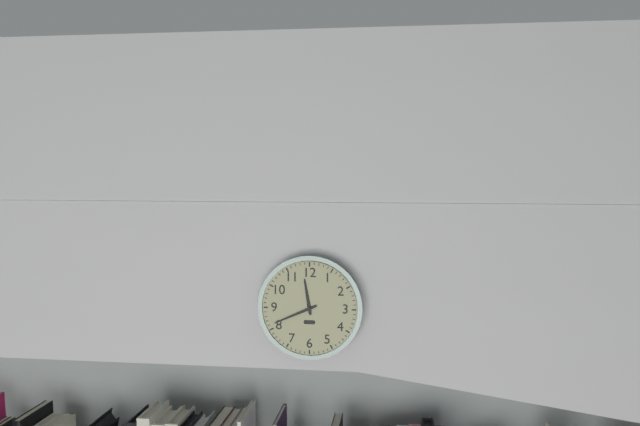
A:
**11:41**
